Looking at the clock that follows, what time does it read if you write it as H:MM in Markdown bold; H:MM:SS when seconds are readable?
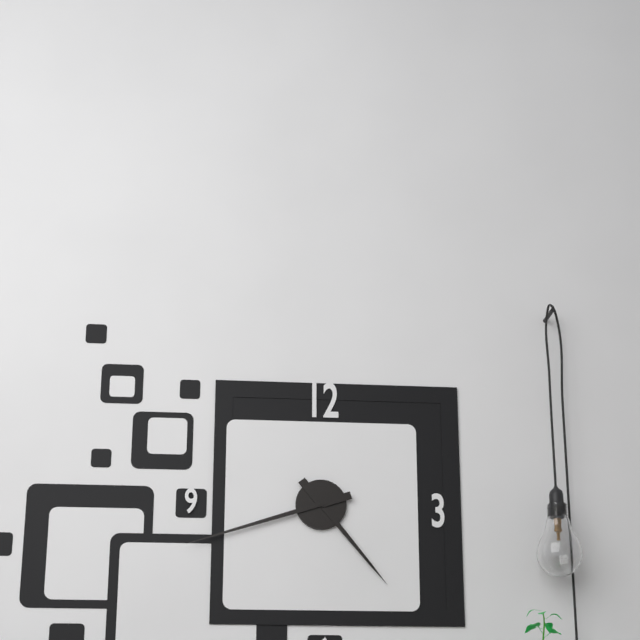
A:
**4:42**
